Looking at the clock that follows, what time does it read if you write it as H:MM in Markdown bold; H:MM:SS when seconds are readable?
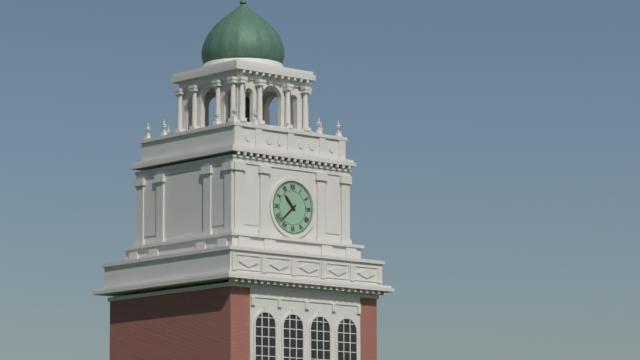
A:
**10:38**
